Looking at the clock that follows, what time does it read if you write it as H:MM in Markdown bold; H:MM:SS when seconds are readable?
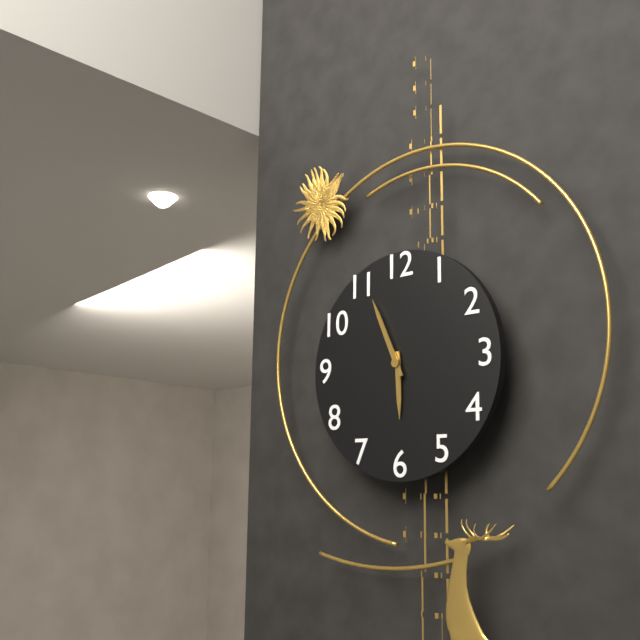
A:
**5:56**
